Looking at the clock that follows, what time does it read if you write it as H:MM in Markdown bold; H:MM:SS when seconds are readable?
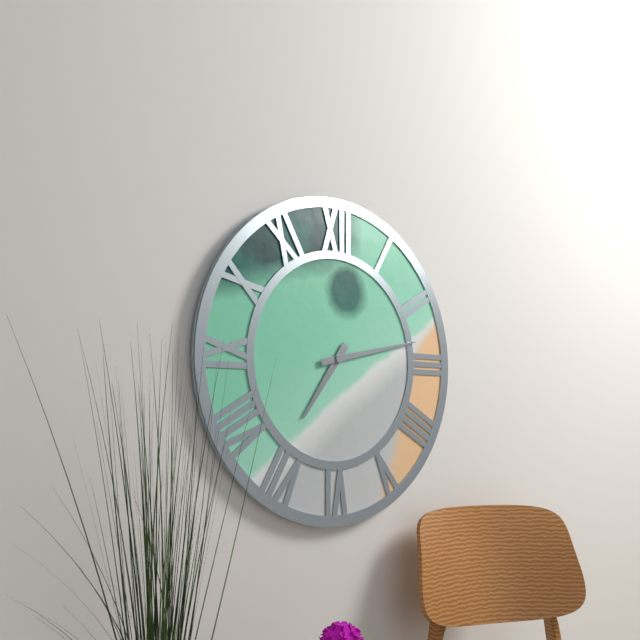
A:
**7:13**
